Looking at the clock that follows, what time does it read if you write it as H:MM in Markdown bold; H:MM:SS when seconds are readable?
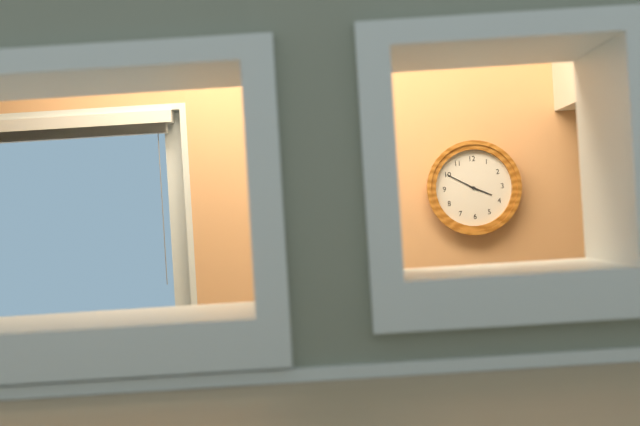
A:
**3:50**
